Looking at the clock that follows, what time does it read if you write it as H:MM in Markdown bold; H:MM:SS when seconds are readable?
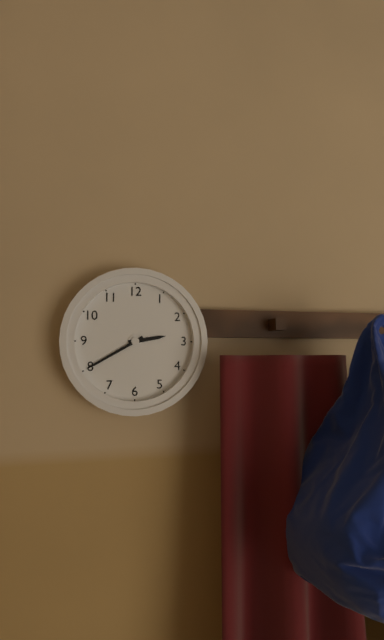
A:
**2:40**
